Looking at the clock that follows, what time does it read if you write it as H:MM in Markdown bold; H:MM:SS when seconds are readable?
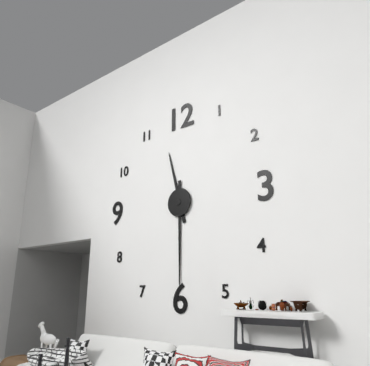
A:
**11:30**
